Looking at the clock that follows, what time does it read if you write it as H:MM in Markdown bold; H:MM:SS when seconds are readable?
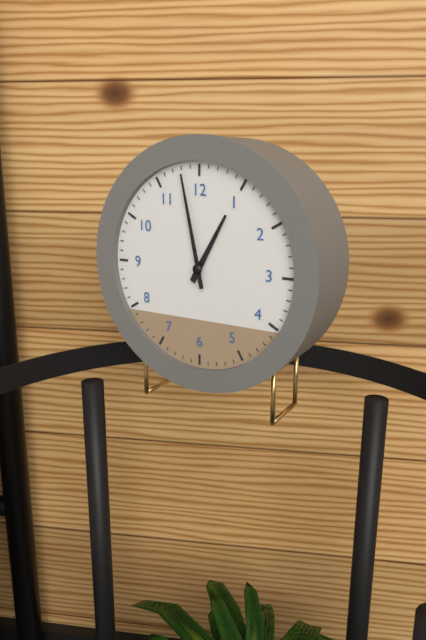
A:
**12:58**
